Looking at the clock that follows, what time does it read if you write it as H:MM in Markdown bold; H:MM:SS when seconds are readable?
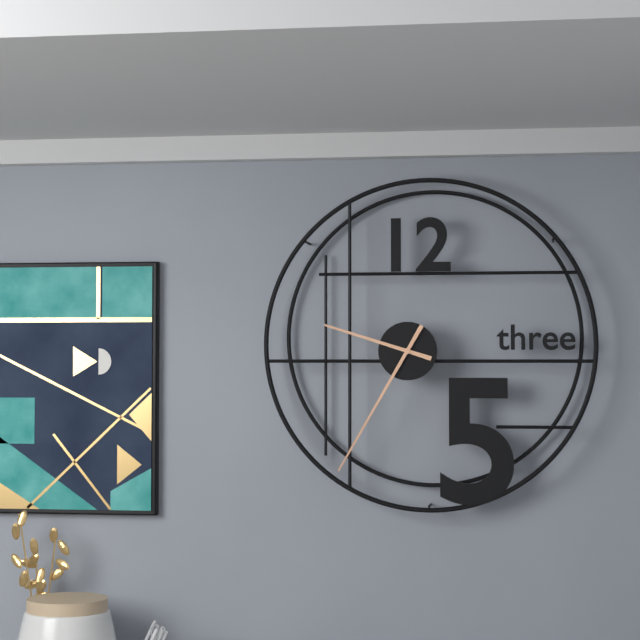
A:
**9:35**
